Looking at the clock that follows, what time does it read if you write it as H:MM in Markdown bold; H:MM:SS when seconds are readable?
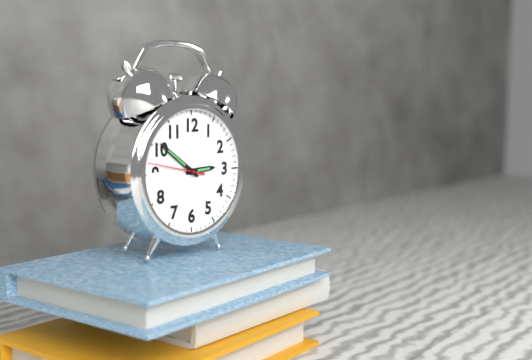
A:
**2:51:47**
